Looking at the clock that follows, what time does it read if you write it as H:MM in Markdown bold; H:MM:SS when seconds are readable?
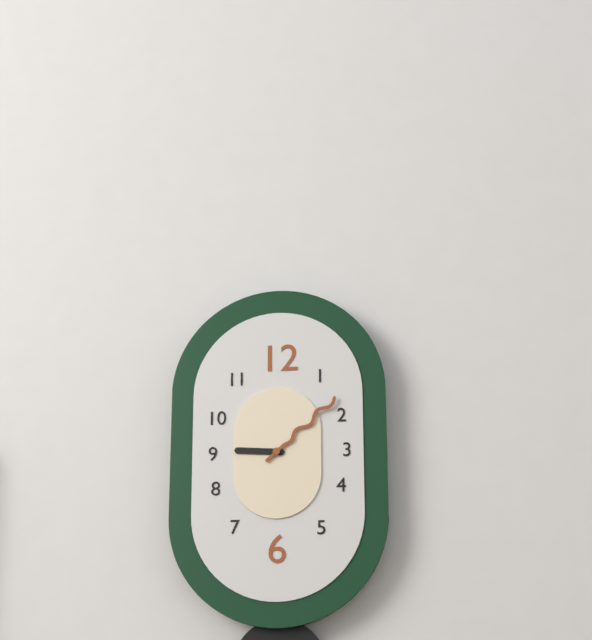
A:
**9:08**
